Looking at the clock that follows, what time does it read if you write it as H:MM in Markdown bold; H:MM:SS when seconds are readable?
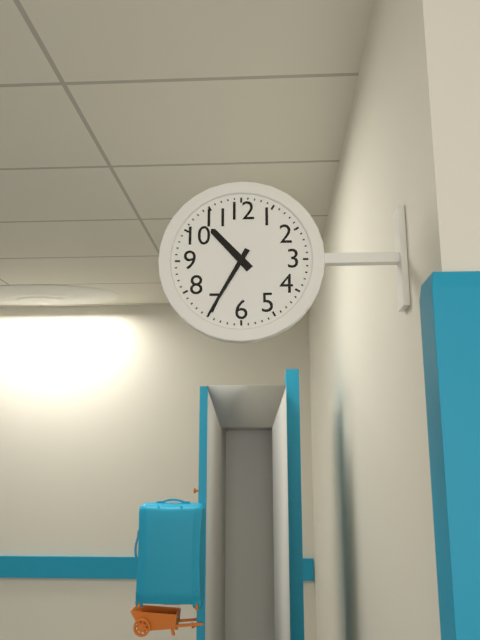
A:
**10:35**
